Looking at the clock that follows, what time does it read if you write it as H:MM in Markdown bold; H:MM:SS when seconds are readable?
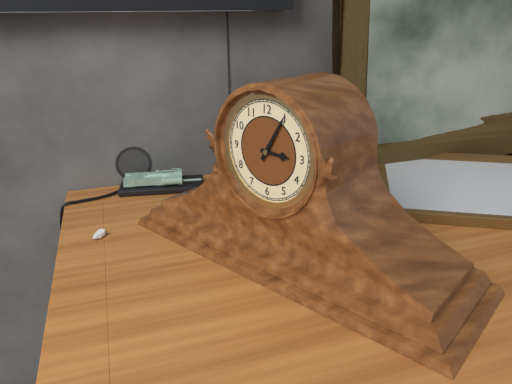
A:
**3:05**
